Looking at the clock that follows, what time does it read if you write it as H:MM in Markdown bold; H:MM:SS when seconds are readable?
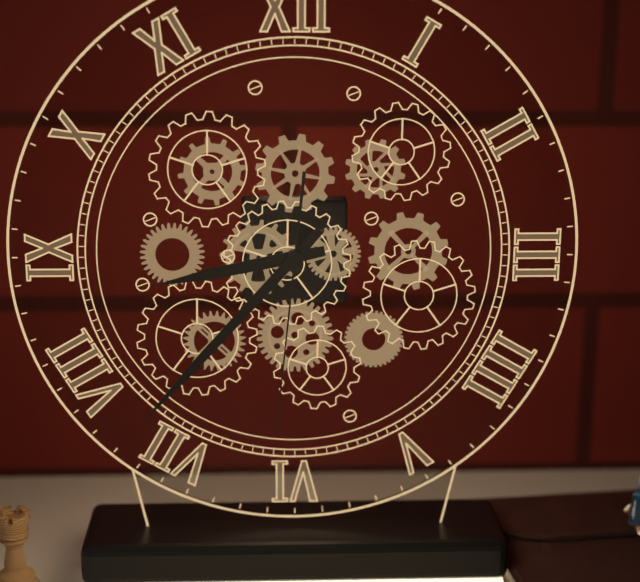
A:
**8:37:31**
